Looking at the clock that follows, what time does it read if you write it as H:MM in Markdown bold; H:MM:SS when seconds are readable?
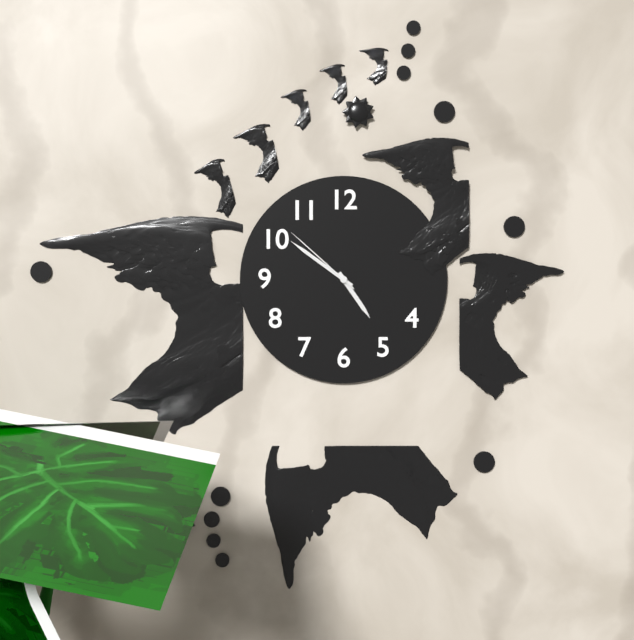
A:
**4:51:52**
